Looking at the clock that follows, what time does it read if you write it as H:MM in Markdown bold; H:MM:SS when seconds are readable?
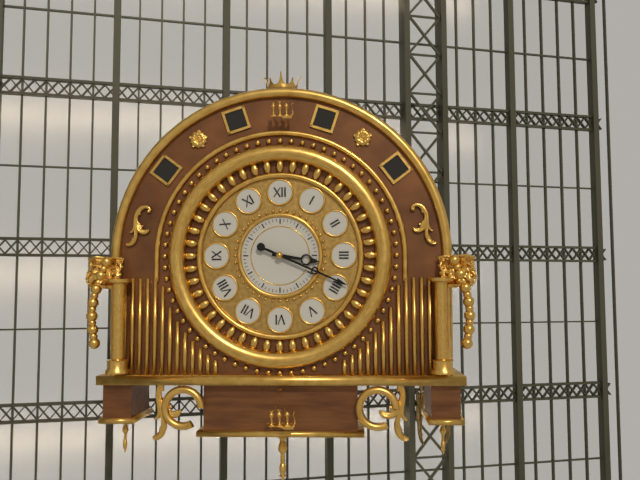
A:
**3:19**
